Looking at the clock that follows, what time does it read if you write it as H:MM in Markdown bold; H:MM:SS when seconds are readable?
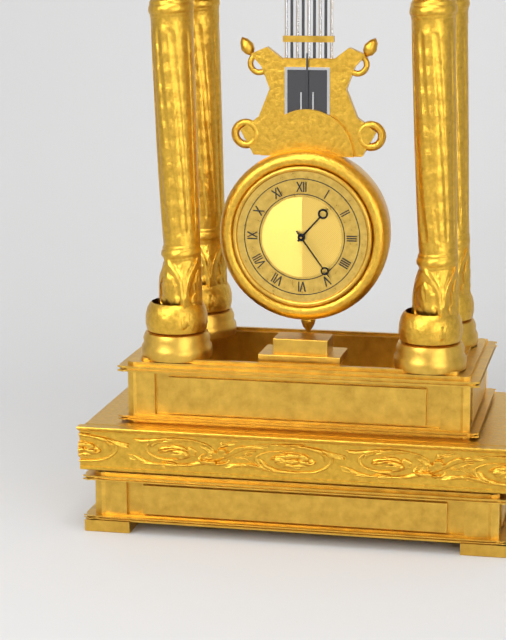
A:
**1:24**
